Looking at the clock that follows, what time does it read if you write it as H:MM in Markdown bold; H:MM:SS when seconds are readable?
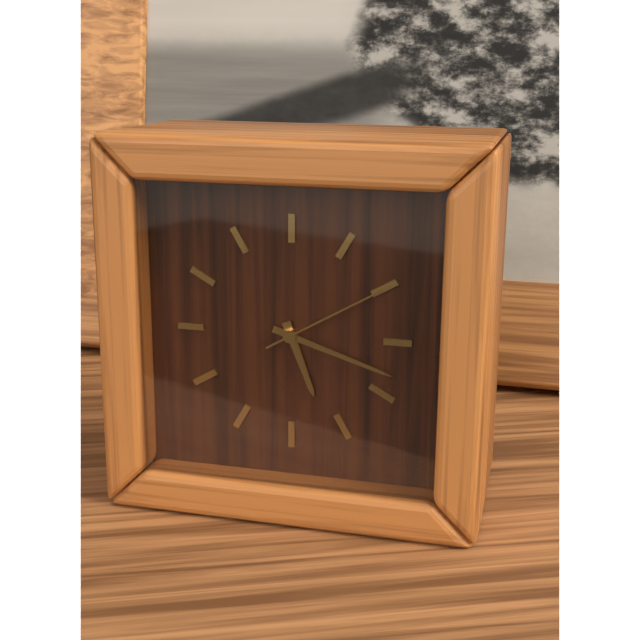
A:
**5:18:10**
